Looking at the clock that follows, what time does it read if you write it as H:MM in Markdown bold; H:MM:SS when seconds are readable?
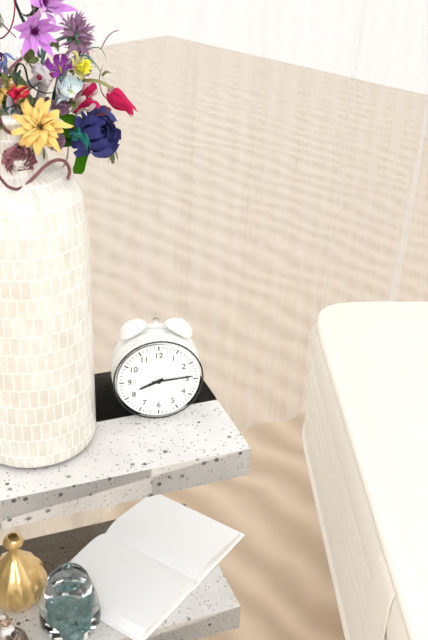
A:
**8:14**
